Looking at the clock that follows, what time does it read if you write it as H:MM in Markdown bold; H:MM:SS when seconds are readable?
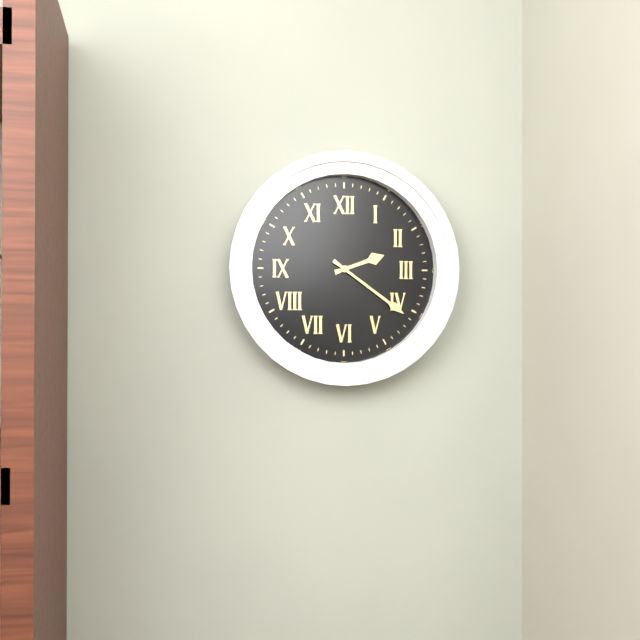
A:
**2:21**
